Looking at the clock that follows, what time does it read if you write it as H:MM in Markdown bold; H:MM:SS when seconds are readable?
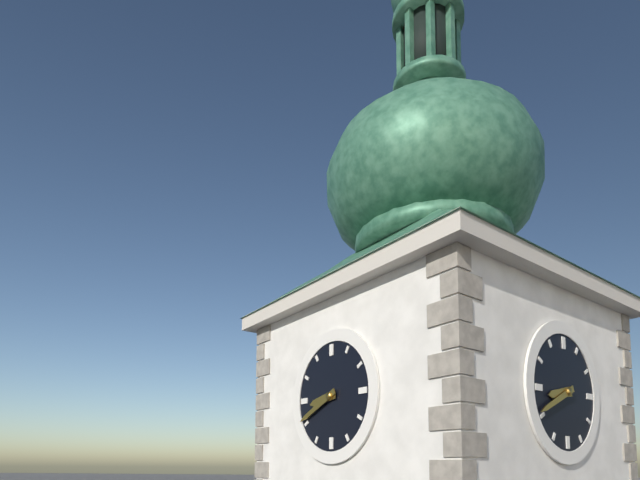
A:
**8:41**
